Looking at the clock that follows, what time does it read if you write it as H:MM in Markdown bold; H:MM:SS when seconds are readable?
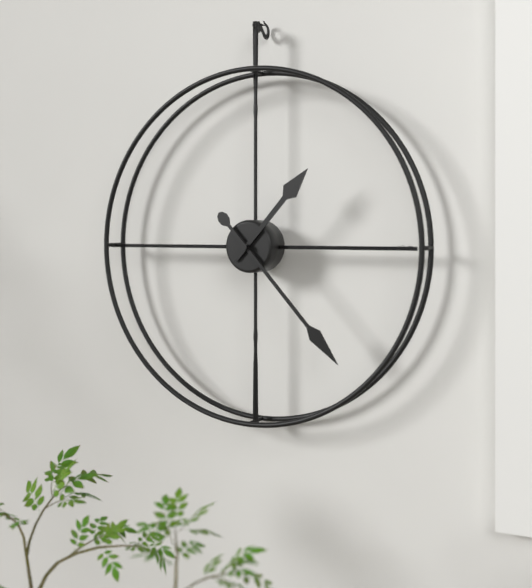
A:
**1:23**
